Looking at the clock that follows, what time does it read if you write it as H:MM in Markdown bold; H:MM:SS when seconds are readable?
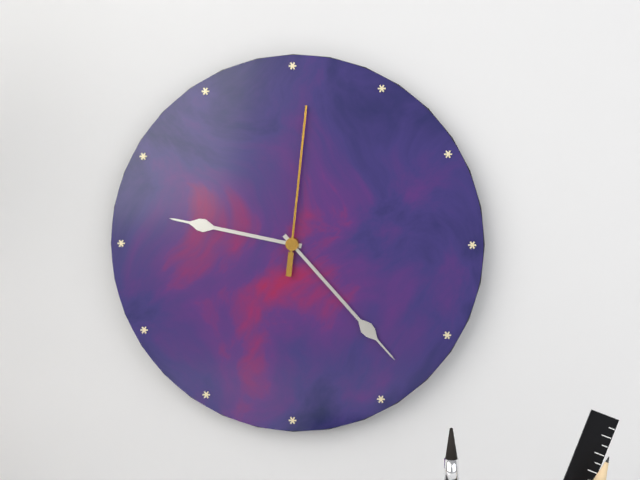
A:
**9:23:01**
